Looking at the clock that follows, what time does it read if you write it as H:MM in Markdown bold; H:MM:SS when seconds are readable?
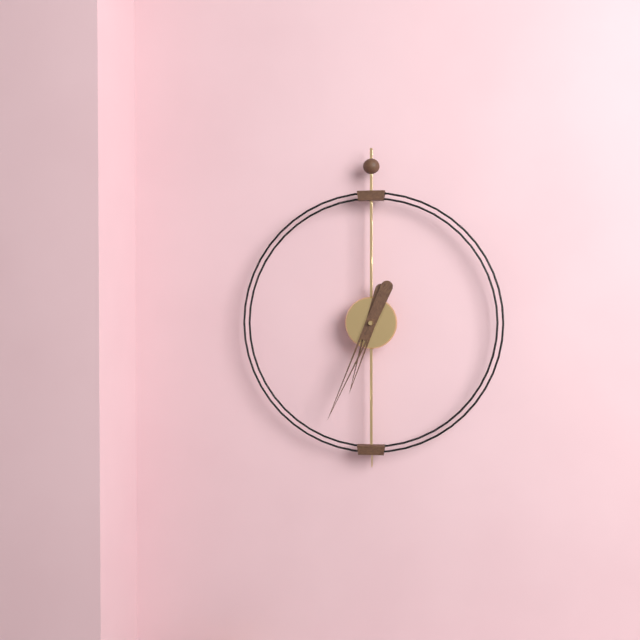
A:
**6:34**
